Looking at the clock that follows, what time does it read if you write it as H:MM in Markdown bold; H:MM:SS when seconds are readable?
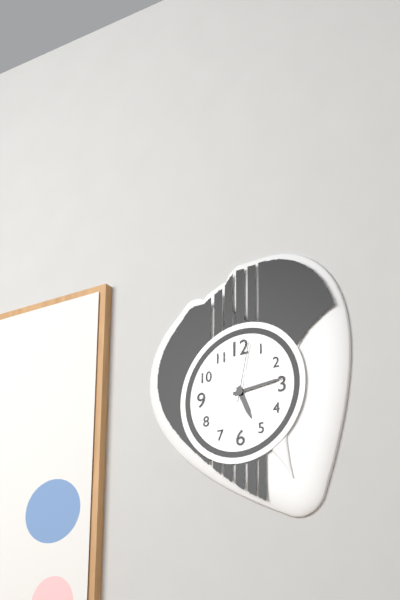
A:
**5:14:02**
